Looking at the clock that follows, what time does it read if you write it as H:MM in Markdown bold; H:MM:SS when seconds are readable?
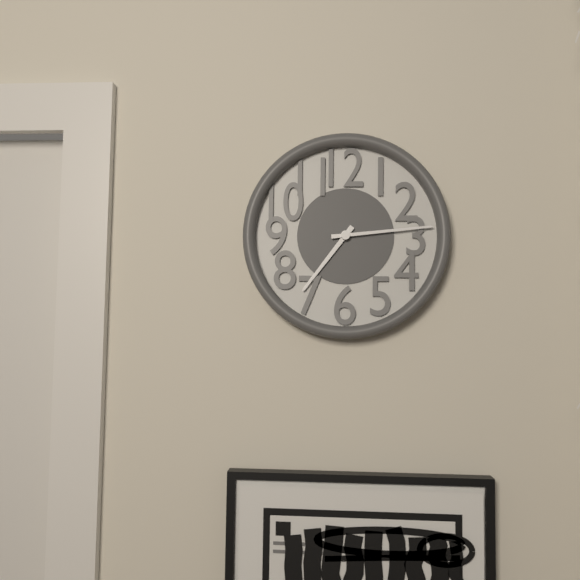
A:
**7:14**
